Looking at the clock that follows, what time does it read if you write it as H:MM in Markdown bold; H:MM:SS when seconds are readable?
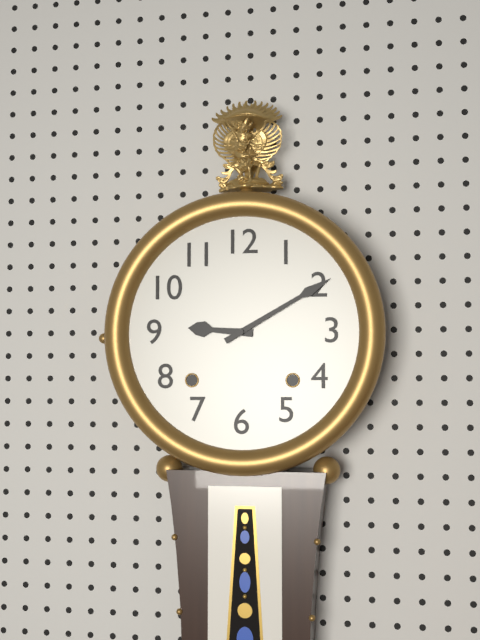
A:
**9:10**
